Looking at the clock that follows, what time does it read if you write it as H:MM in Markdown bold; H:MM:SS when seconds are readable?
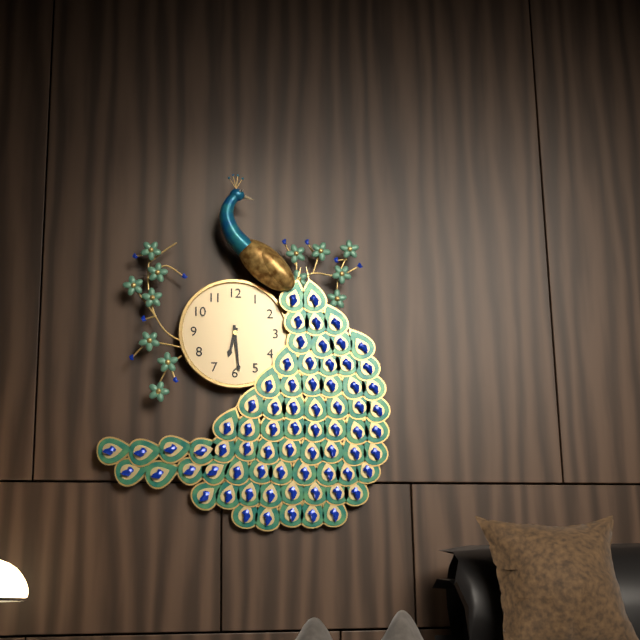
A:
**6:29**
